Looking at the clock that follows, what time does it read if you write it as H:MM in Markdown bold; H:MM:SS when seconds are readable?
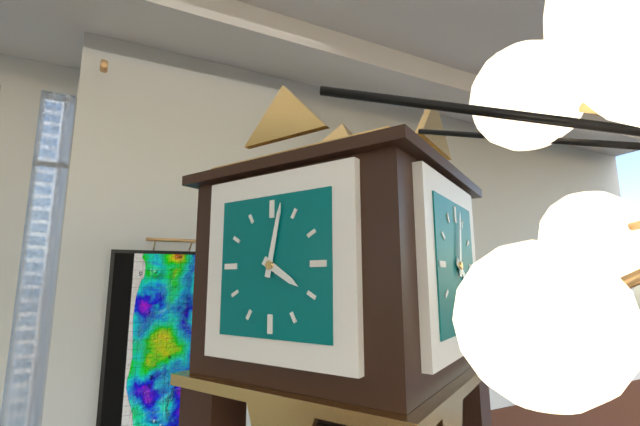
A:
**4:02**
